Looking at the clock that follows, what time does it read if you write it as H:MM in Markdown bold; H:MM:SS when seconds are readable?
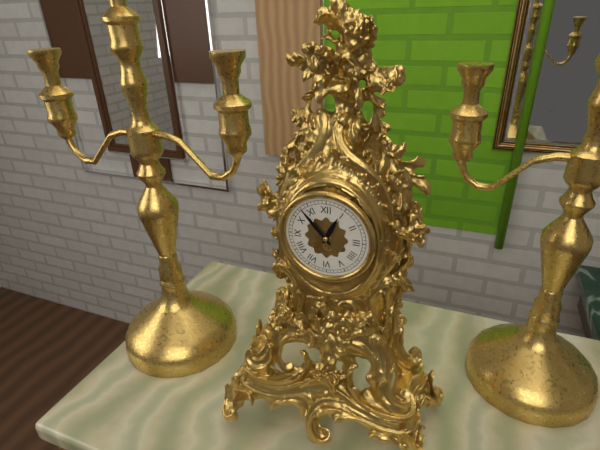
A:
**12:53**
